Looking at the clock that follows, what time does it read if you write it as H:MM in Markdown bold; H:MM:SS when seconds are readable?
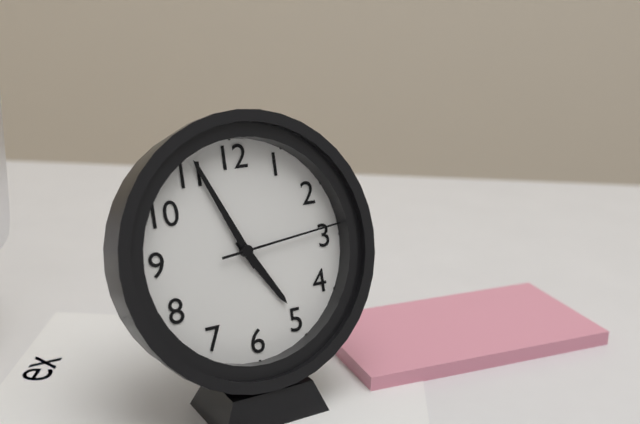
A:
**4:56:14**
